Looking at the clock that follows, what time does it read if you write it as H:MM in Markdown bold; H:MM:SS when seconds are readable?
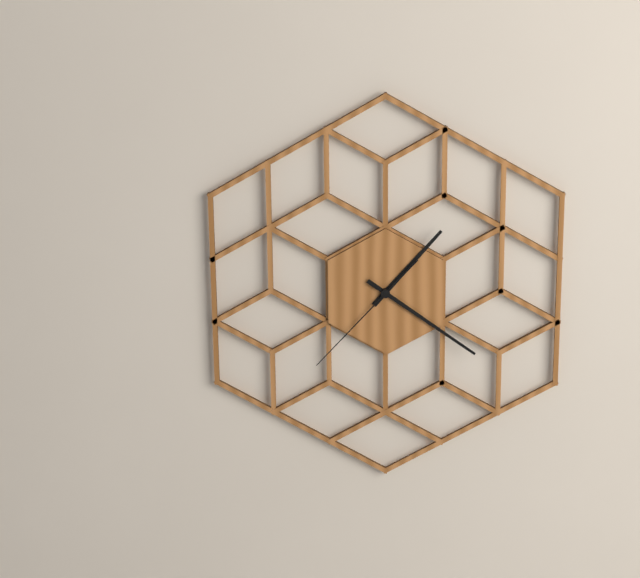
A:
**1:21:37**
